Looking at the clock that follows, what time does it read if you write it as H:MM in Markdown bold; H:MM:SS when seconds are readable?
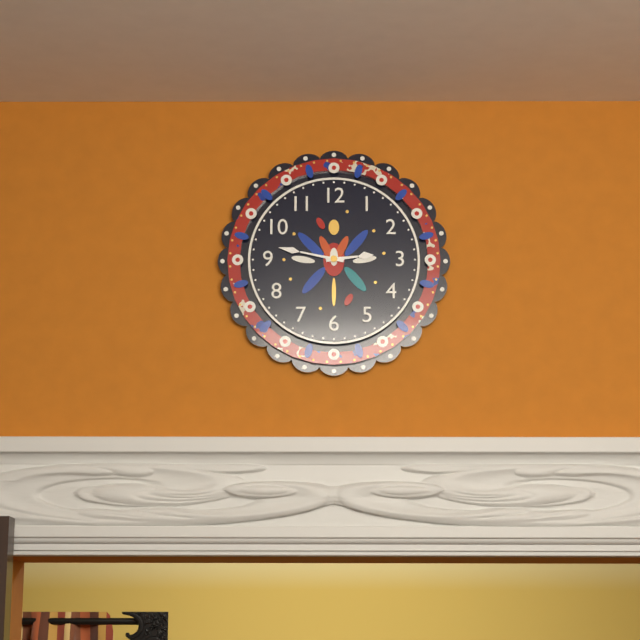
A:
**2:47**
